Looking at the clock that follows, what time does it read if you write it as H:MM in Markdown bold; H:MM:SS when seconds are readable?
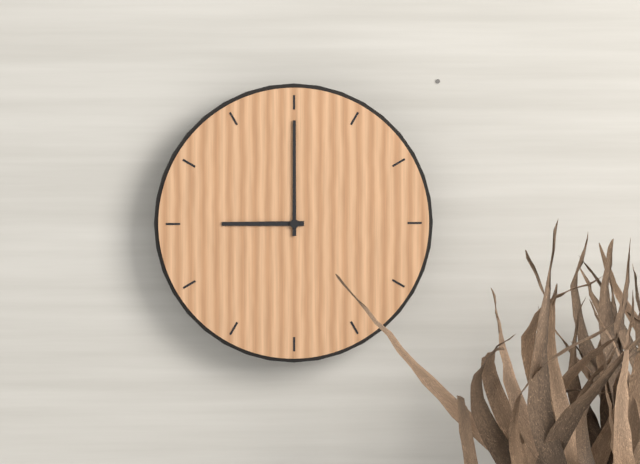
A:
**9:00**
